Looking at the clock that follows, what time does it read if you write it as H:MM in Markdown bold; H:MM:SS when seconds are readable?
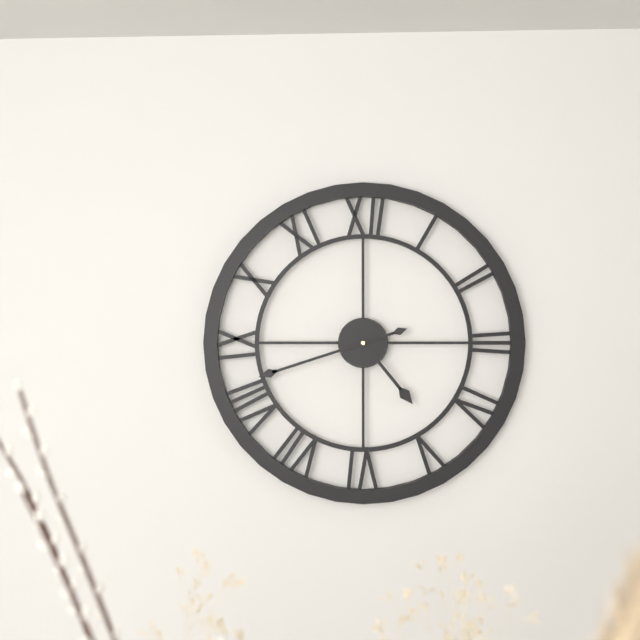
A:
**4:42**
